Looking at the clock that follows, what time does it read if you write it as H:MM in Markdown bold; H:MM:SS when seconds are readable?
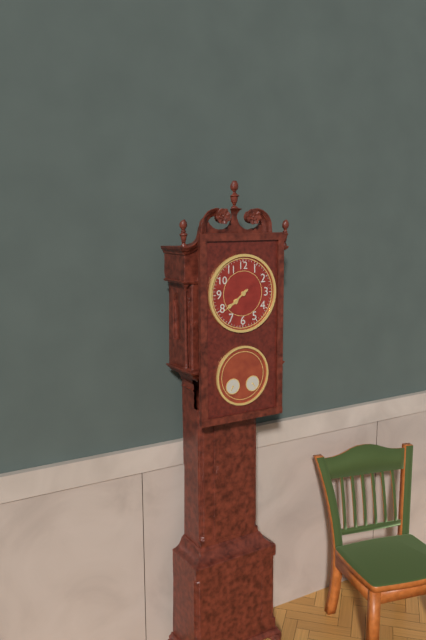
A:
**7:39**
